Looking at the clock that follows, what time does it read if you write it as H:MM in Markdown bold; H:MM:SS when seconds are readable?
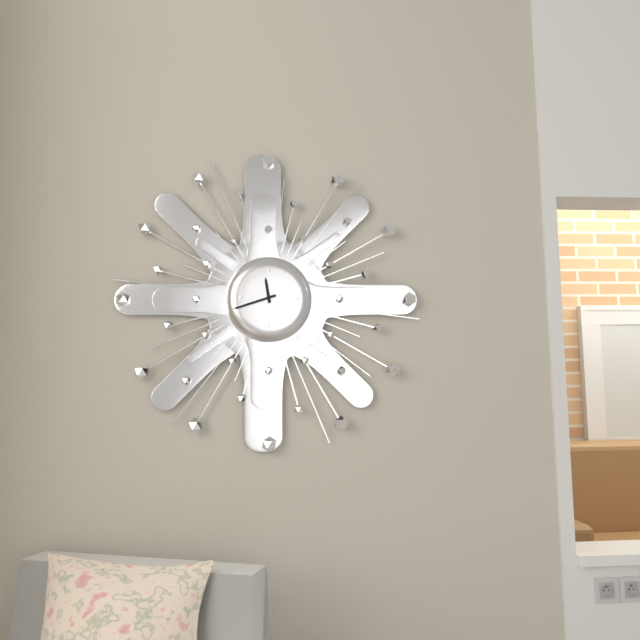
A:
**11:42**
